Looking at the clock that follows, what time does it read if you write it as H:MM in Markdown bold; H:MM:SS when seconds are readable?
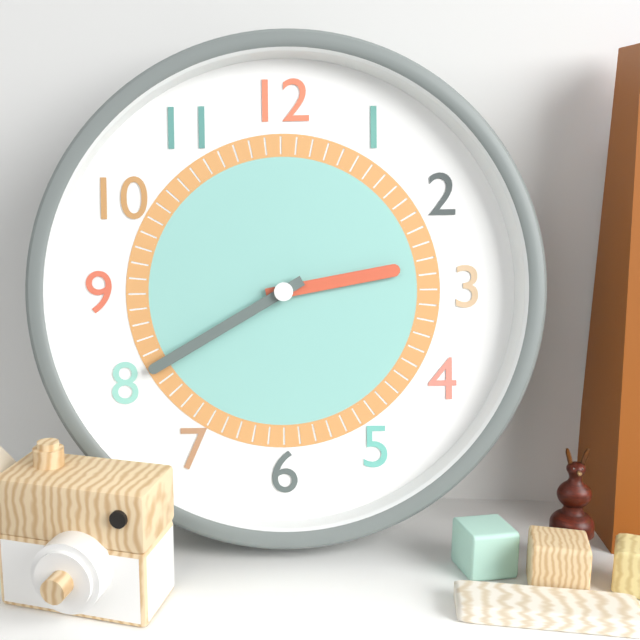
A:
**2:40**
